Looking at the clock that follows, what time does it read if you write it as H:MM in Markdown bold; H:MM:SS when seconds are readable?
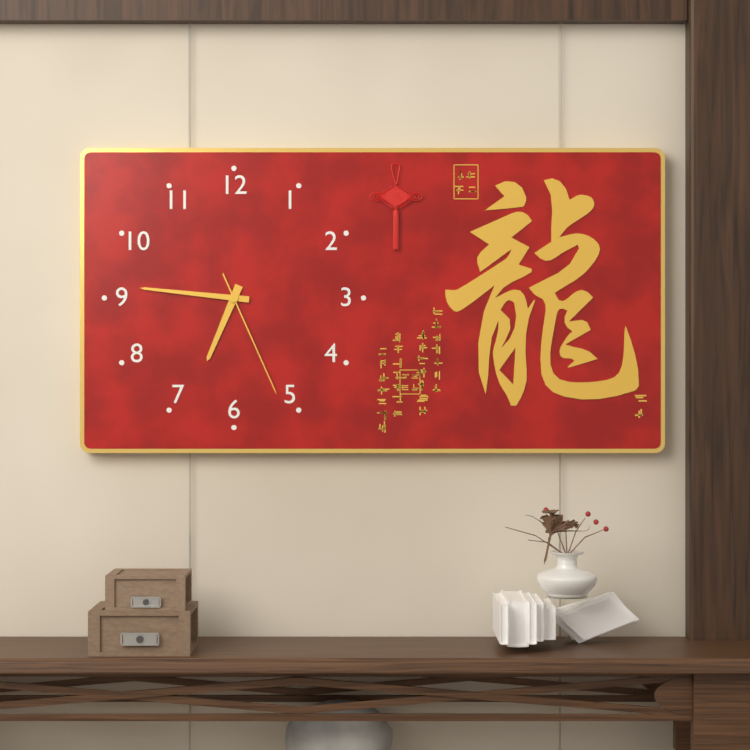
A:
**6:46:26**
